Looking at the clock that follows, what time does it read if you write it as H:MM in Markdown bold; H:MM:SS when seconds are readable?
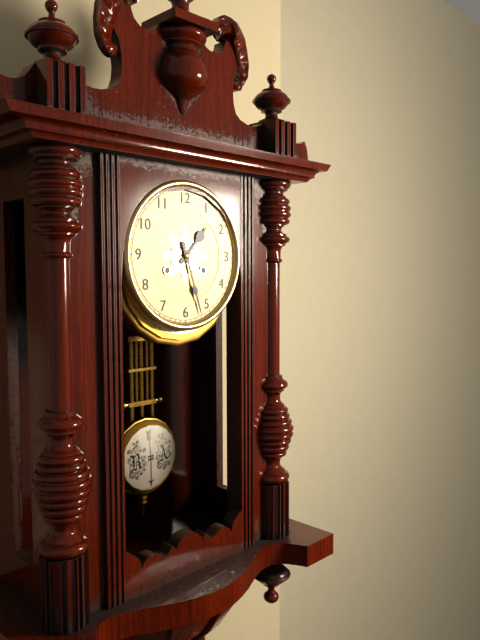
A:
**1:27**
